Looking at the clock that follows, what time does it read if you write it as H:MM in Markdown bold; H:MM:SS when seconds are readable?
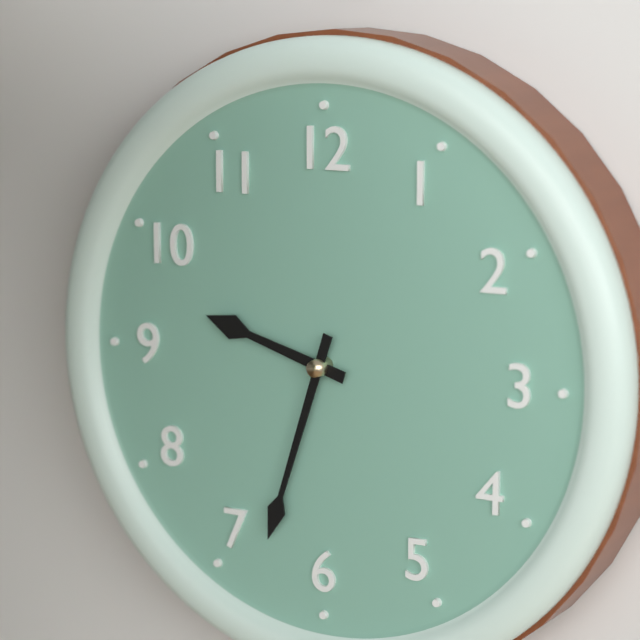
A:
**9:33**
